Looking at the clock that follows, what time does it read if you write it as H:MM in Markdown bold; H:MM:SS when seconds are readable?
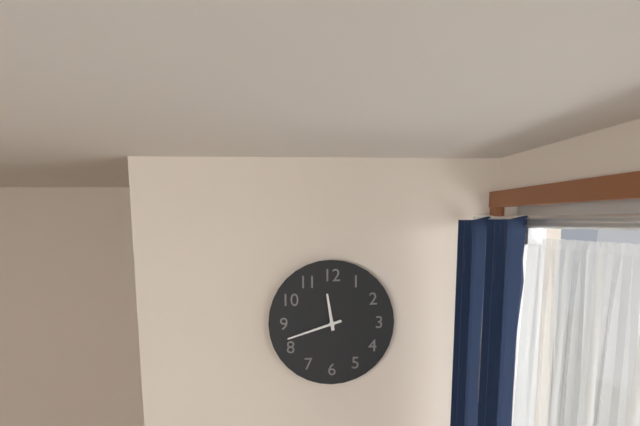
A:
**11:42**
